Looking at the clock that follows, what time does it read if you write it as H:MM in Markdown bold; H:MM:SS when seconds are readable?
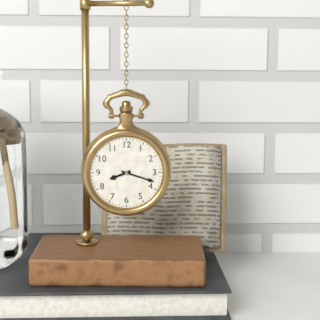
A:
**8:18**
